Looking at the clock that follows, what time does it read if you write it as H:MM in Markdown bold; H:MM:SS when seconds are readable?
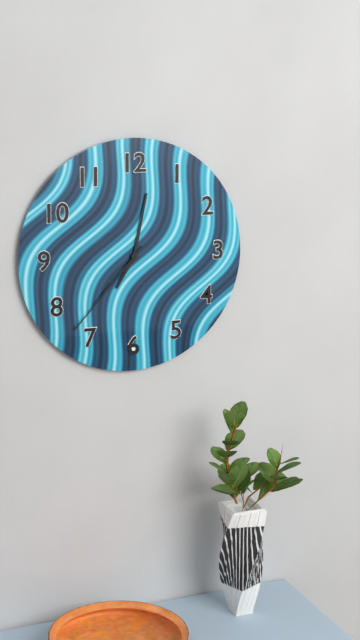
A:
**7:02:37**
